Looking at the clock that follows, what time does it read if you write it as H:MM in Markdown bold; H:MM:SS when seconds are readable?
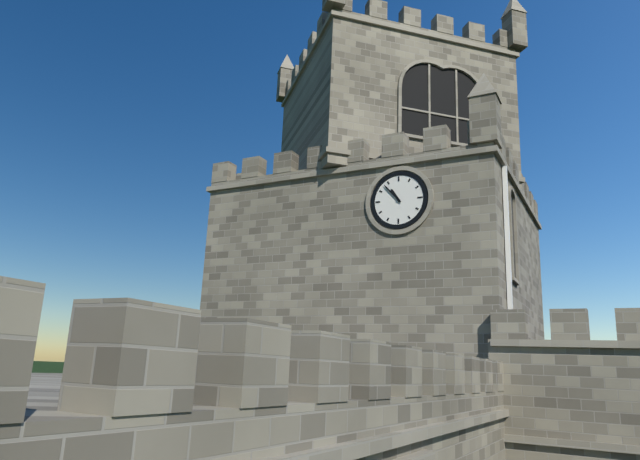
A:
**10:53**
